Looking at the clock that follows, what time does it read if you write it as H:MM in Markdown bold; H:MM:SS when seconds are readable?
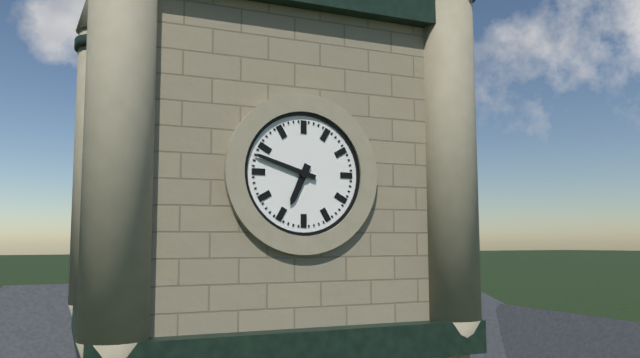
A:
**6:48**
